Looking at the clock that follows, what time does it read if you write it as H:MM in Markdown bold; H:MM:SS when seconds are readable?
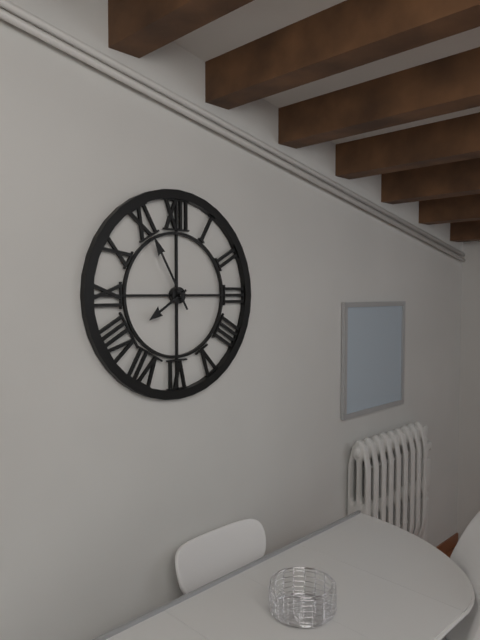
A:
**7:55**
